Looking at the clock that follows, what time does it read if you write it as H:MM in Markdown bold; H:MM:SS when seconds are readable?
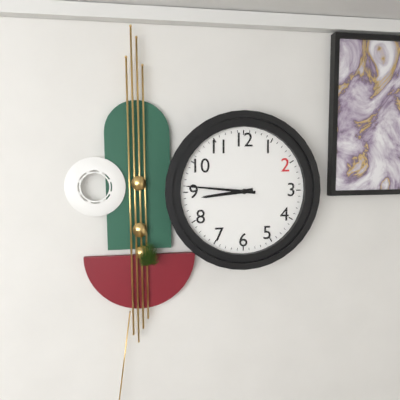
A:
**8:46**
